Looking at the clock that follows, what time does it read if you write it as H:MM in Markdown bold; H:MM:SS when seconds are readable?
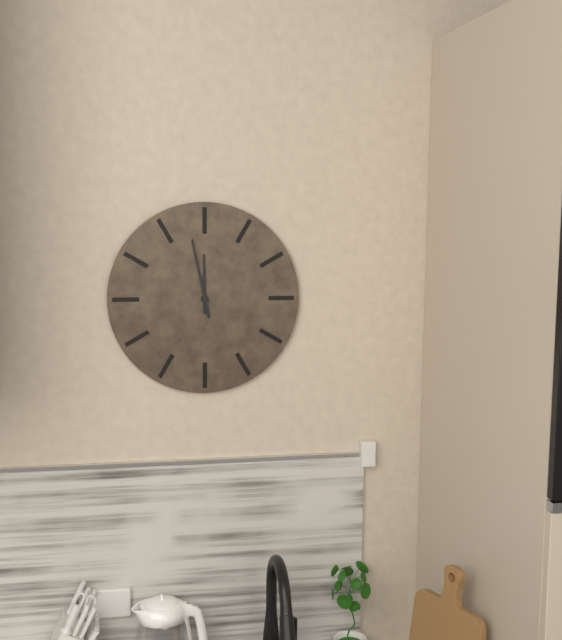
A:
**11:58**
